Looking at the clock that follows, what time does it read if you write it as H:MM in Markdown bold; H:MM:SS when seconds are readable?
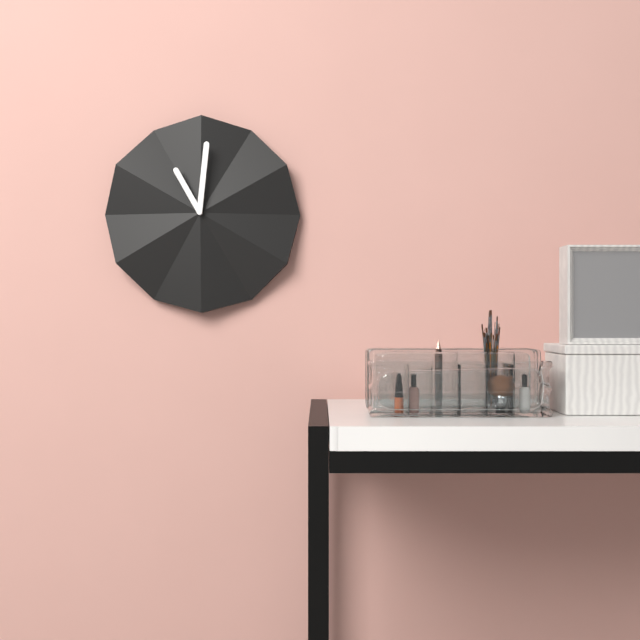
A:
**11:01**
